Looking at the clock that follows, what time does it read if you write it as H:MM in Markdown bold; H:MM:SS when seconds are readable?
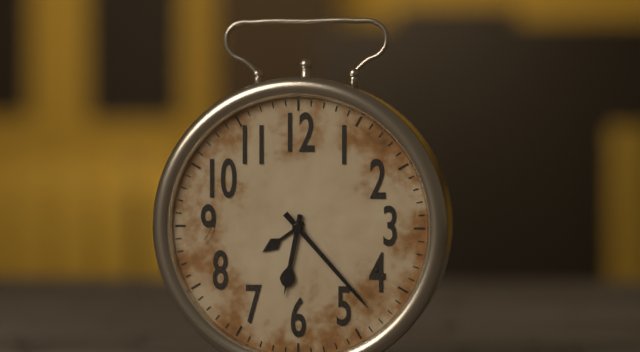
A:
**6:23**
